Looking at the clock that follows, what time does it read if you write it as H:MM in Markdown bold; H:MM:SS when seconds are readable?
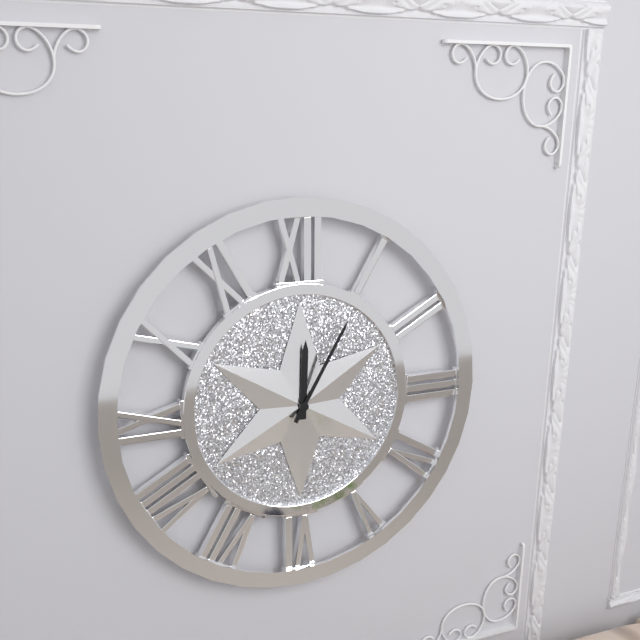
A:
**12:05**
